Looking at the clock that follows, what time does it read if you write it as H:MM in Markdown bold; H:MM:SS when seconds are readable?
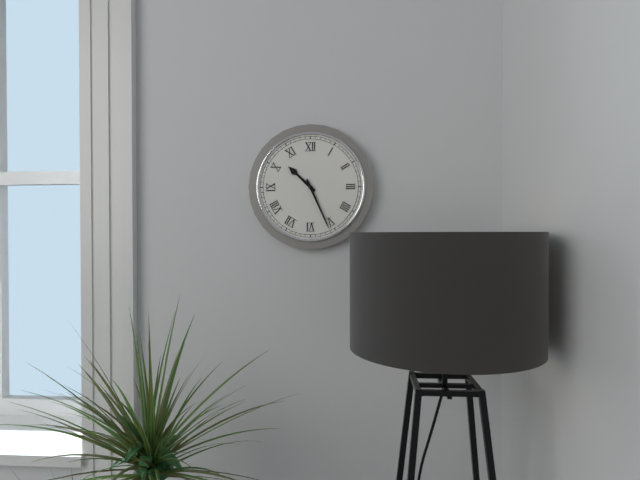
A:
**10:26**
